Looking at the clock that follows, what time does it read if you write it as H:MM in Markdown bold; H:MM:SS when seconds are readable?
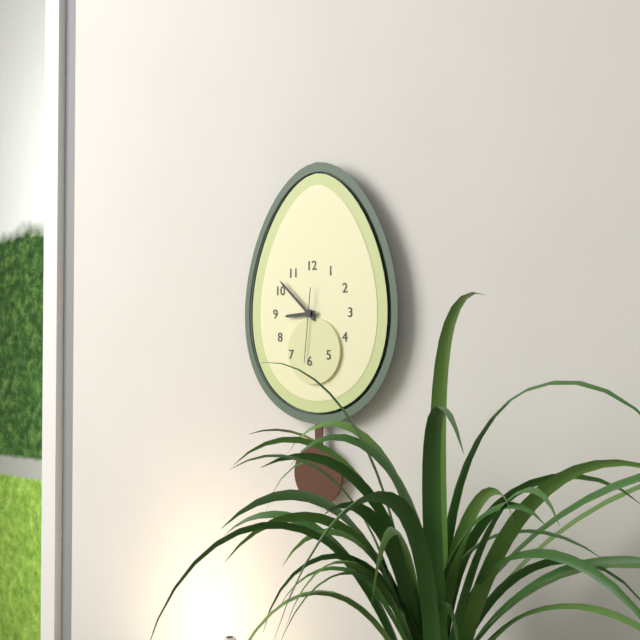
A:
**8:52:31**
